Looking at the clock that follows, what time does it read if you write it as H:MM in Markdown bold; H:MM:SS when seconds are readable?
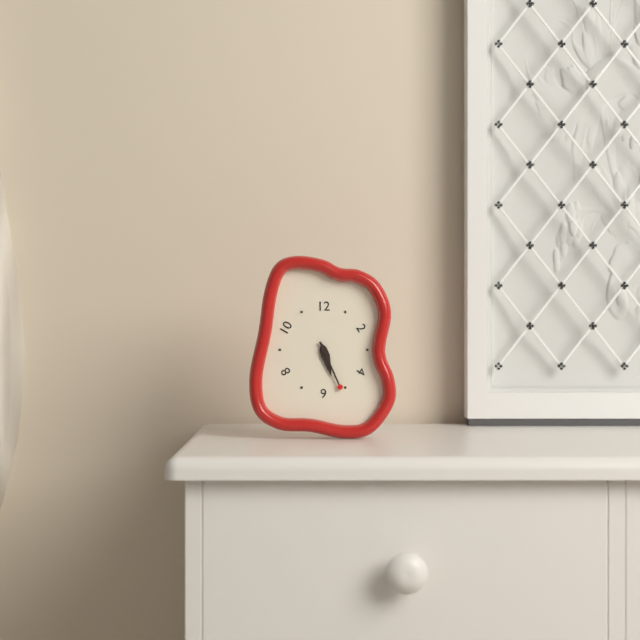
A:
**5:26**
